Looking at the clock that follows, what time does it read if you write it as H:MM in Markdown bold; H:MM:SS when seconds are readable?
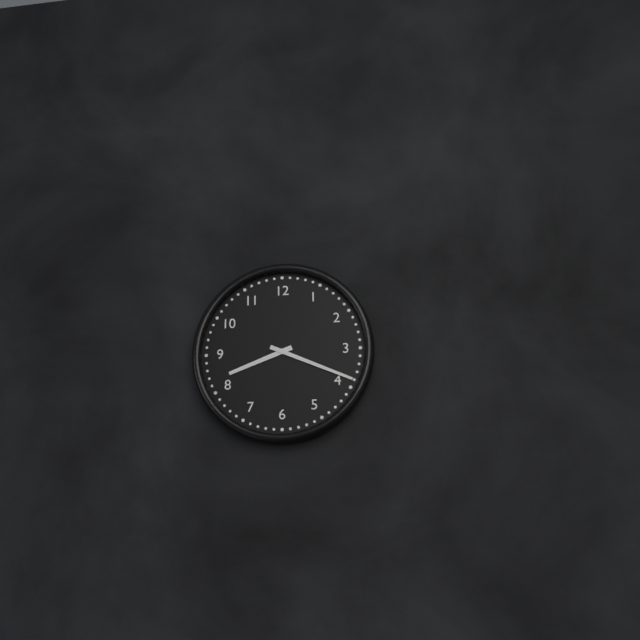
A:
**8:19**
